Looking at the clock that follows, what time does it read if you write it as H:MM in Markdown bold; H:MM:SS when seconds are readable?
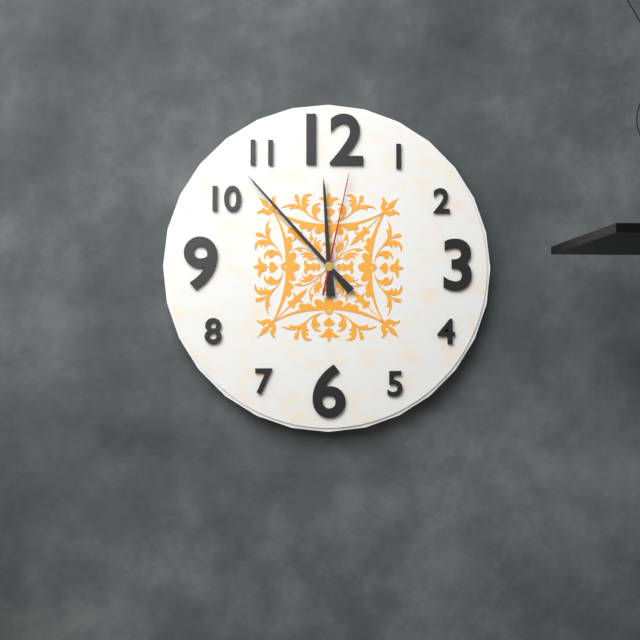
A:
**11:53:02**
